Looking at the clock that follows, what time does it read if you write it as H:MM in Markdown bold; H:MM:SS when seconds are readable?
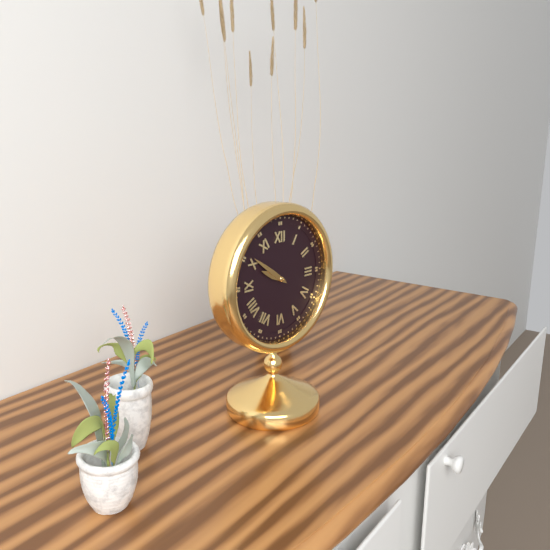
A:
**9:51**
